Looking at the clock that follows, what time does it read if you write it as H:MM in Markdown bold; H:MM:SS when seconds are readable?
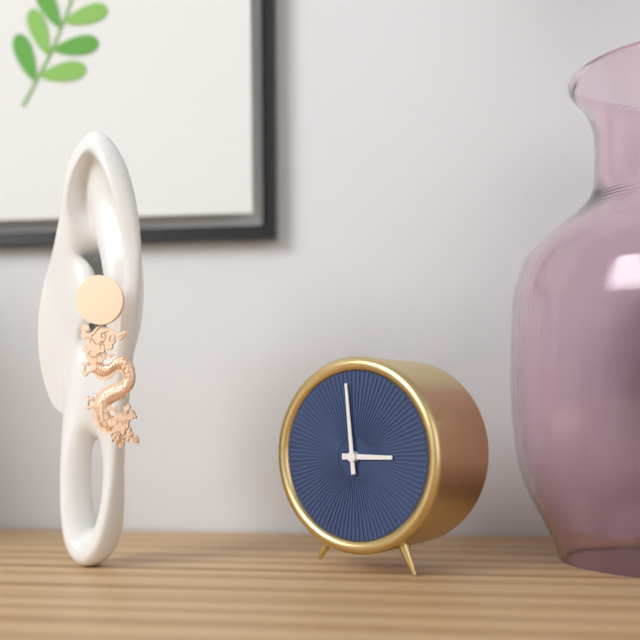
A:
**2:59**
